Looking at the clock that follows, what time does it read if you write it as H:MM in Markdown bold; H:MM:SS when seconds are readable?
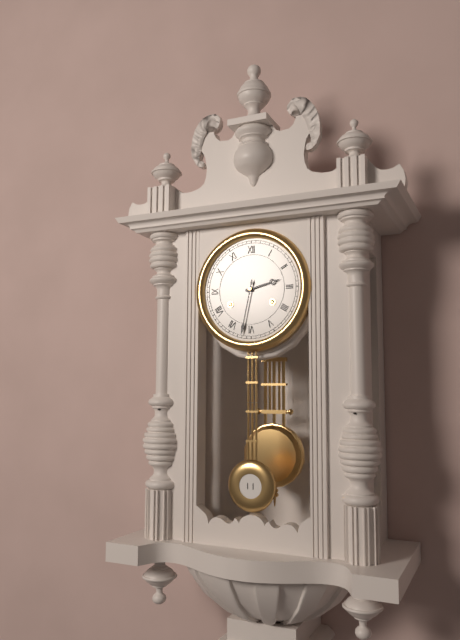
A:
**2:32**
